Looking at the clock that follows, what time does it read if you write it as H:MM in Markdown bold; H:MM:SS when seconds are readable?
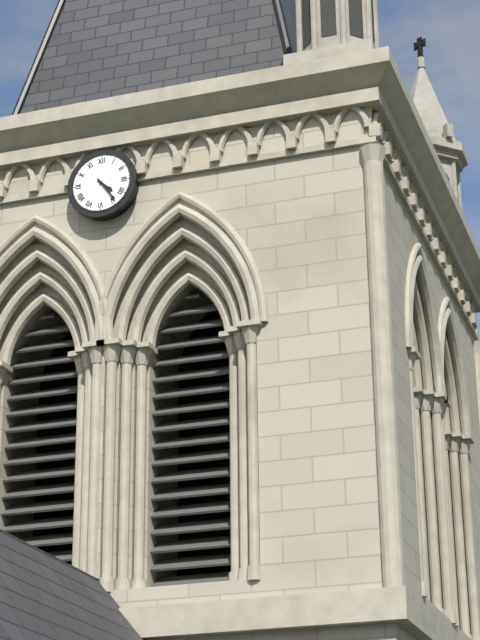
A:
**4:24**
